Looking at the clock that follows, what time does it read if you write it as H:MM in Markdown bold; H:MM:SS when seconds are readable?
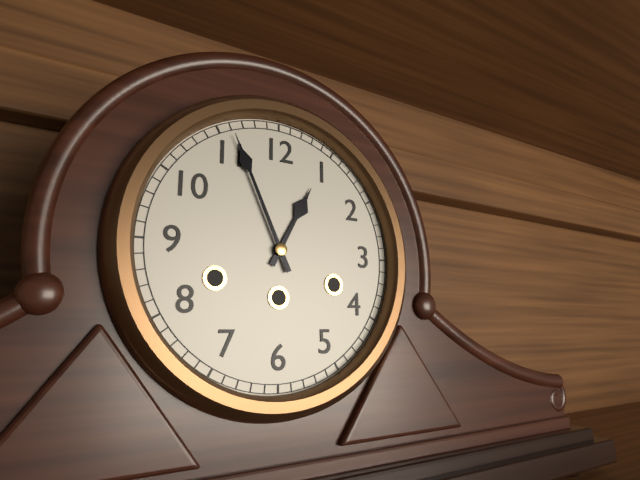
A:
**12:56**
